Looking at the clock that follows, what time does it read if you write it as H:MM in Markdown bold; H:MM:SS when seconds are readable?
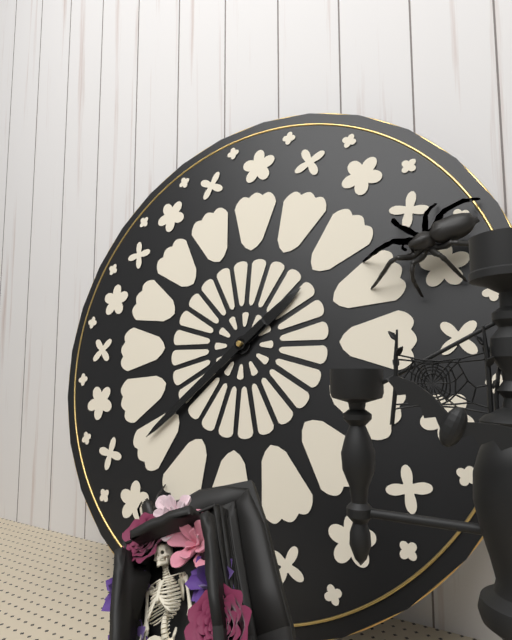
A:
**1:38**
